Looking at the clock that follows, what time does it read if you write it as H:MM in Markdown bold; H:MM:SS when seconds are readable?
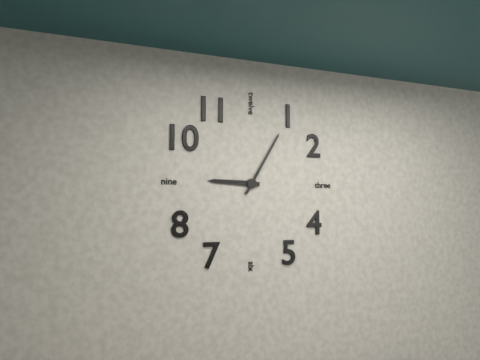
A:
**9:05**
